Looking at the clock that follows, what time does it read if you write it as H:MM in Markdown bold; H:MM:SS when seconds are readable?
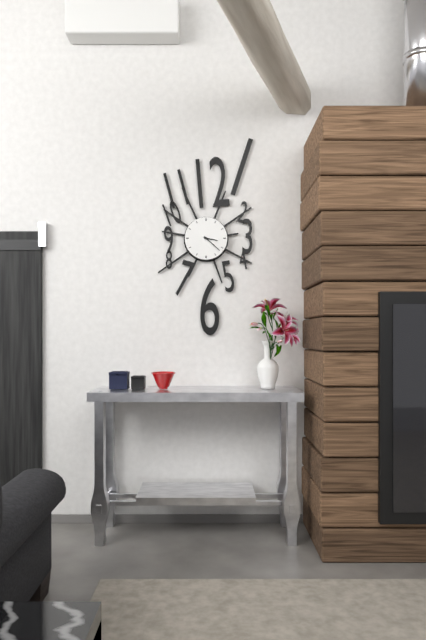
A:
**3:22**
